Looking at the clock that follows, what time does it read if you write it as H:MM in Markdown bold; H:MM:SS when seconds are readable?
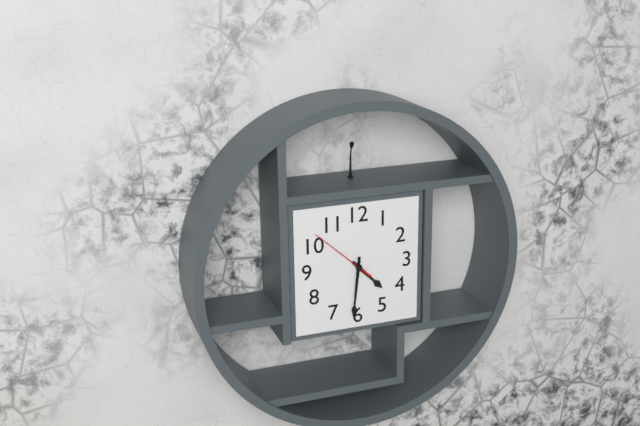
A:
**4:31:52**
